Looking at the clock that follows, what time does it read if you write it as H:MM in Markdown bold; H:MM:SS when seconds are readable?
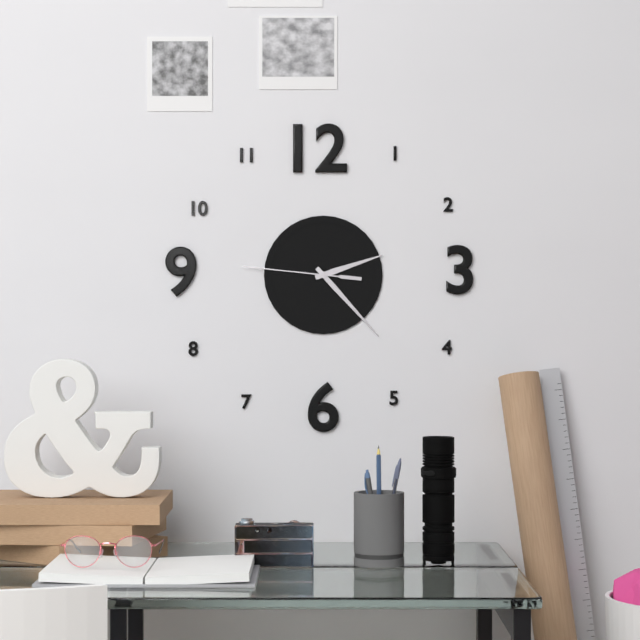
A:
**2:23:46**
